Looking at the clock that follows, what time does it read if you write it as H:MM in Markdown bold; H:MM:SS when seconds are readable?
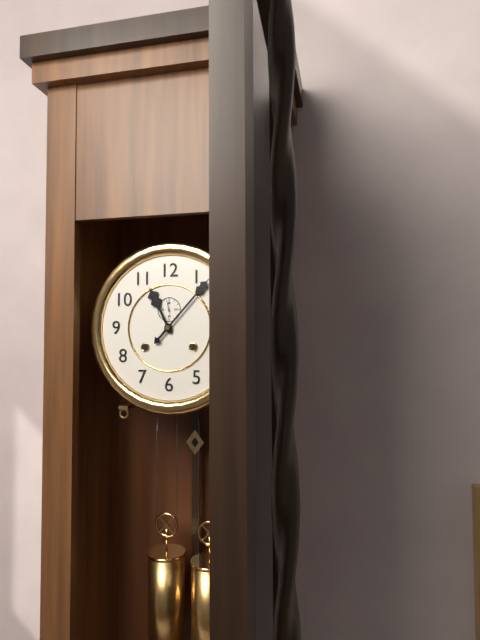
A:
**11:07**
